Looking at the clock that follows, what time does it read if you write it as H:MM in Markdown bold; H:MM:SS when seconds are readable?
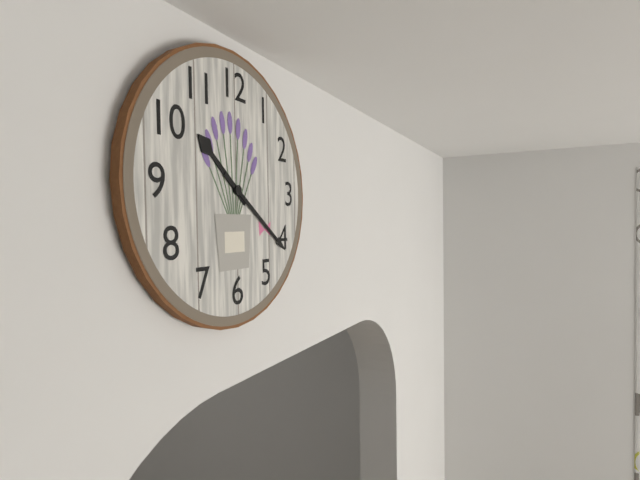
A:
**10:21**
